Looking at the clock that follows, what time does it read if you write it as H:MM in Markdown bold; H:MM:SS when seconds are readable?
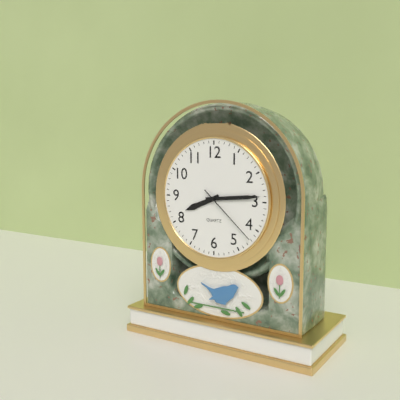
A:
**8:14:22**
